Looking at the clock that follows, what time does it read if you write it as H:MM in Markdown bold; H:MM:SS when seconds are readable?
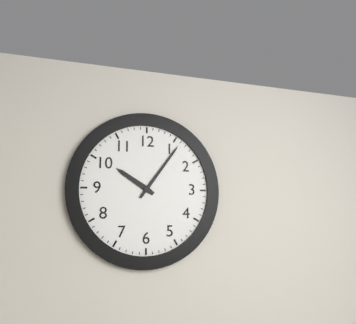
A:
**10:06**
